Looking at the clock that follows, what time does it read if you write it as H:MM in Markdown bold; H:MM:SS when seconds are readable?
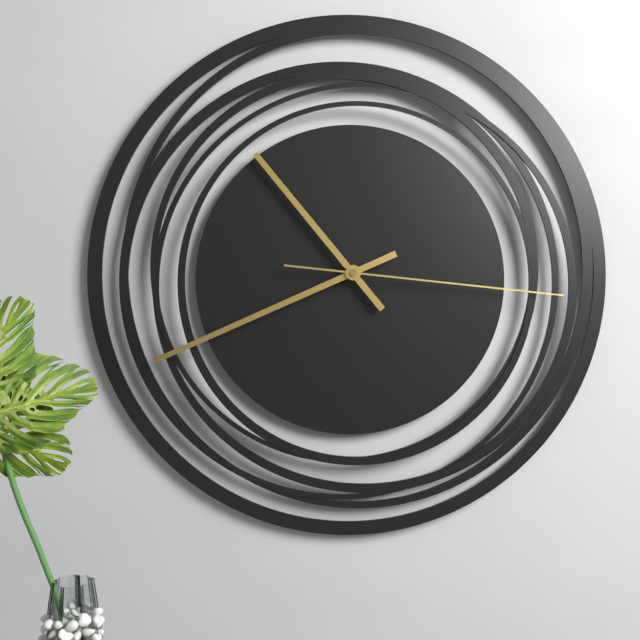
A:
**10:41:16**
